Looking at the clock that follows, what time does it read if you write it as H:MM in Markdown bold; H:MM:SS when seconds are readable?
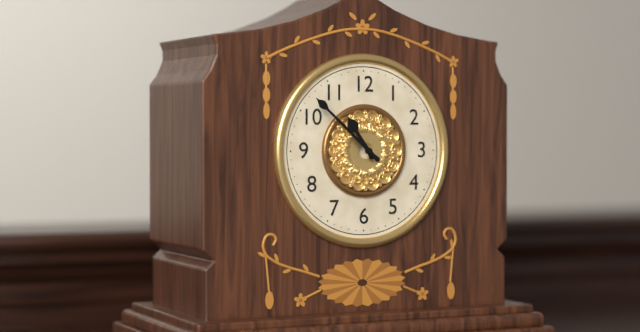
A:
**10:52**
